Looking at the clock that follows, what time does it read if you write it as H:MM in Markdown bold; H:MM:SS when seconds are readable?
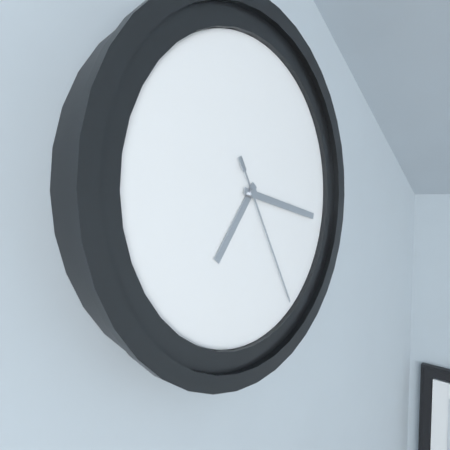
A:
**7:17:25**
